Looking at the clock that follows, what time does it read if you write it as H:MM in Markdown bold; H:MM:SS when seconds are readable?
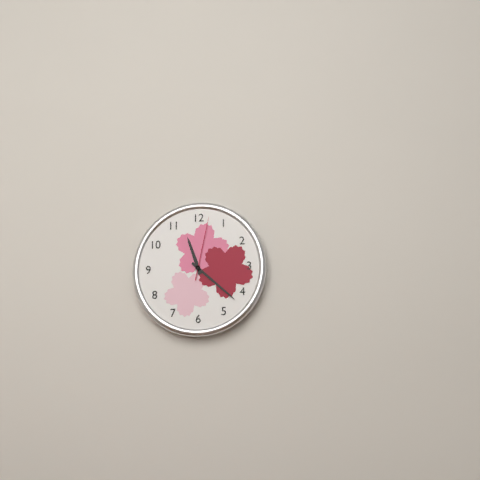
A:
**11:22:02**
